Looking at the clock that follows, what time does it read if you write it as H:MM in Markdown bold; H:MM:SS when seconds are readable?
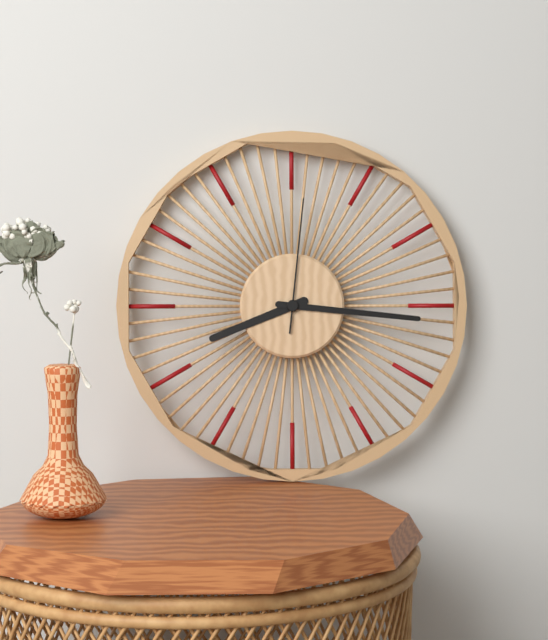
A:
**8:16:01**
